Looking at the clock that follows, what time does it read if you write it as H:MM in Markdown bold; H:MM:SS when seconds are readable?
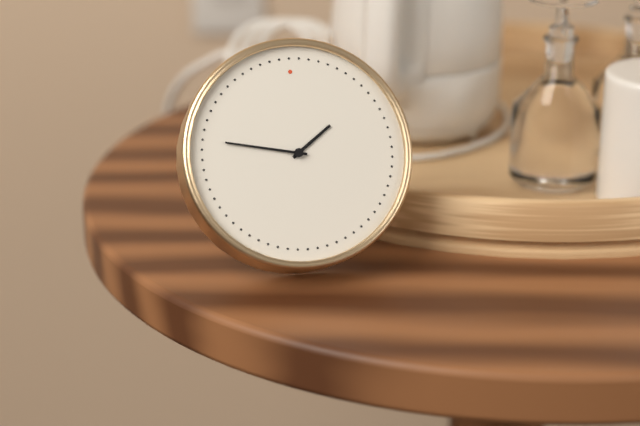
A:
**1:47**
